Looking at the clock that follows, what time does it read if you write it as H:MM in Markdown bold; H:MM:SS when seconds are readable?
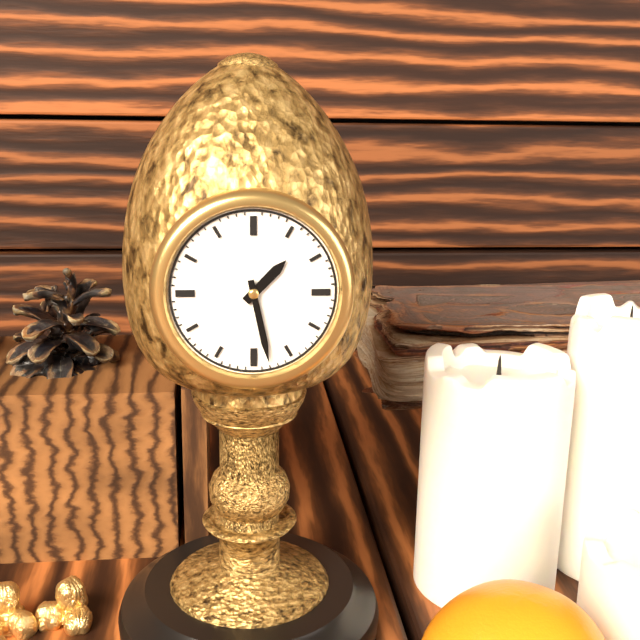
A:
**1:28**
